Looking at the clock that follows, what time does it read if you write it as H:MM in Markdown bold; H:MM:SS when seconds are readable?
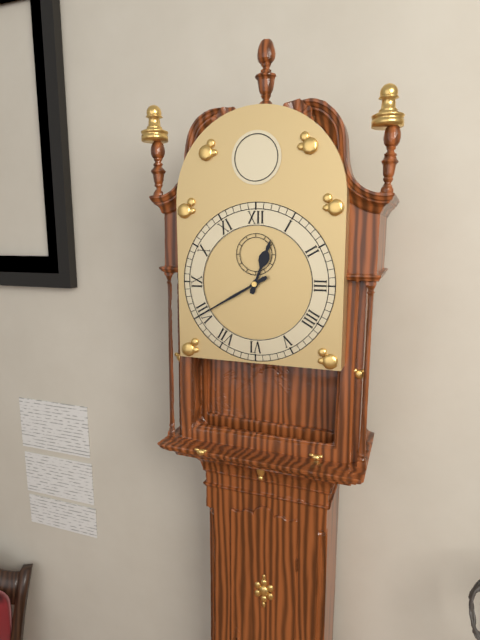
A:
**12:40**
